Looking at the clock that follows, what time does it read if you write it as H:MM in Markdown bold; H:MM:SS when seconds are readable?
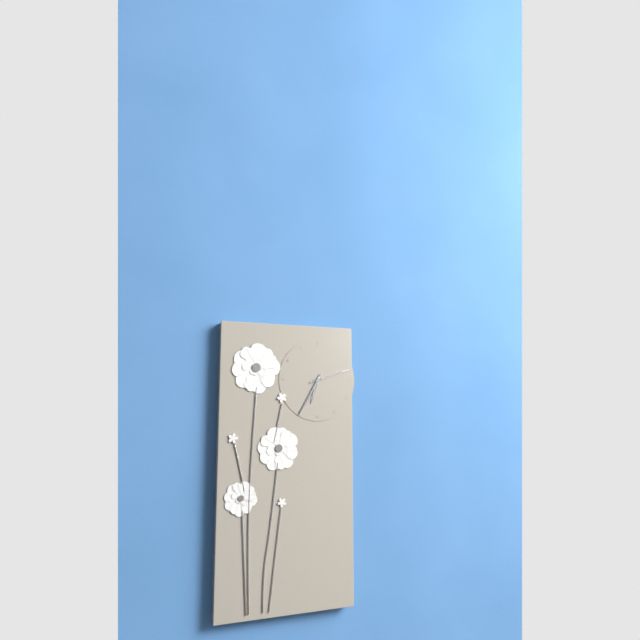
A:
**6:35**
